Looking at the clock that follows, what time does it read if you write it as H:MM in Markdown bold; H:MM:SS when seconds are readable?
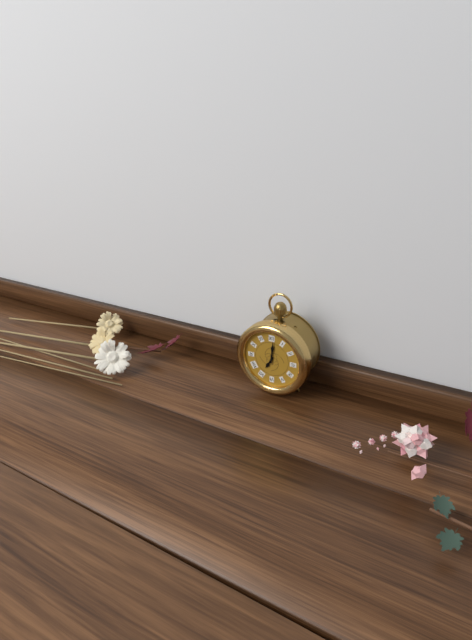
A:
**7:01**
